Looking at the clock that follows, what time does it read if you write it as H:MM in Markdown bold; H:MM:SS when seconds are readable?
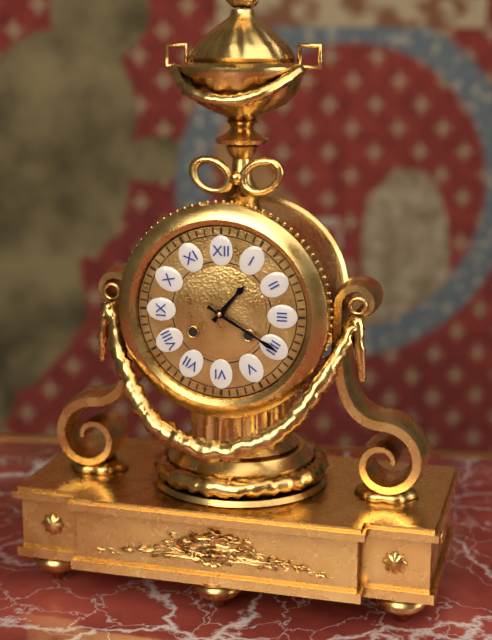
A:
**1:20**
